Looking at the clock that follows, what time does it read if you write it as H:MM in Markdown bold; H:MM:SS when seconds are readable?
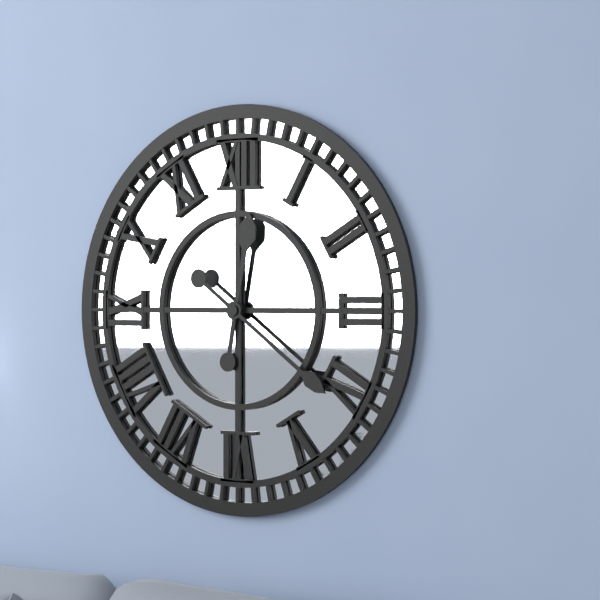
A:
**12:21**
